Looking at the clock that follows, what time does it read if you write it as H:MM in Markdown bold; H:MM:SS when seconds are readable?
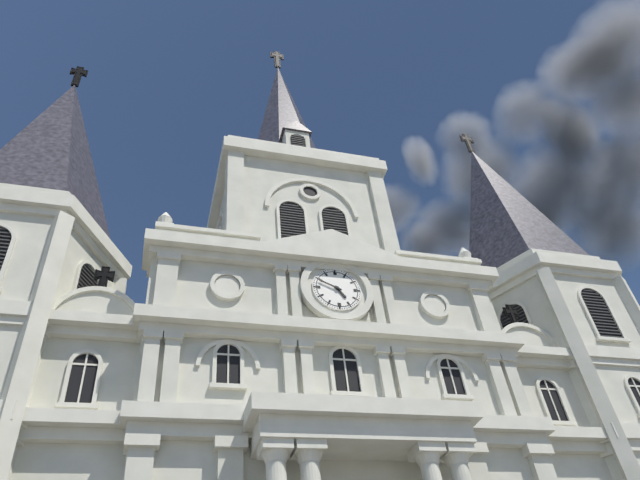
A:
**4:49**
